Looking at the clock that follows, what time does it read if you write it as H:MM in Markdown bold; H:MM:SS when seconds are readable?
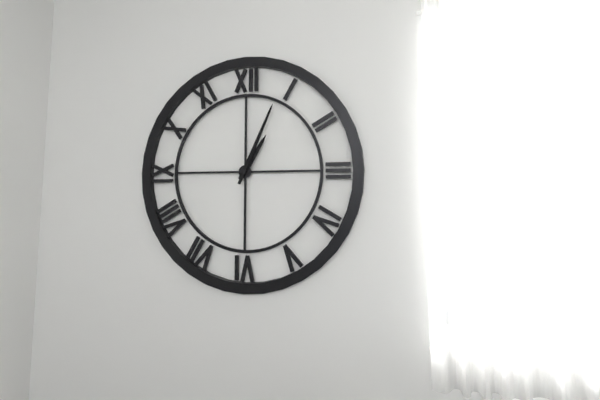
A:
**1:04**
